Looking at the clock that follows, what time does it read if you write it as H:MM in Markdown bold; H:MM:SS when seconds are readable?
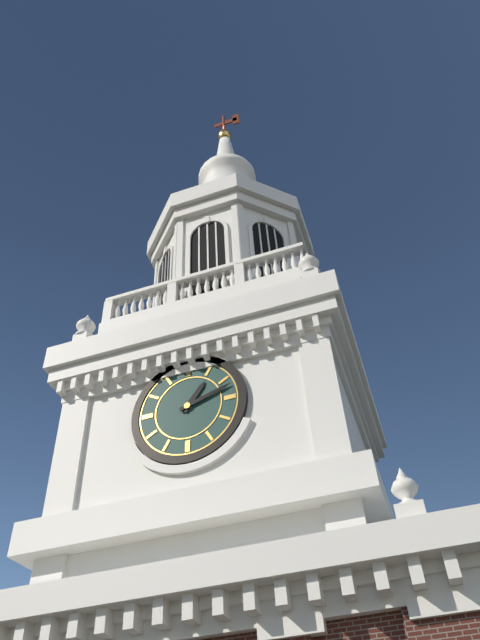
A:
**1:12**
